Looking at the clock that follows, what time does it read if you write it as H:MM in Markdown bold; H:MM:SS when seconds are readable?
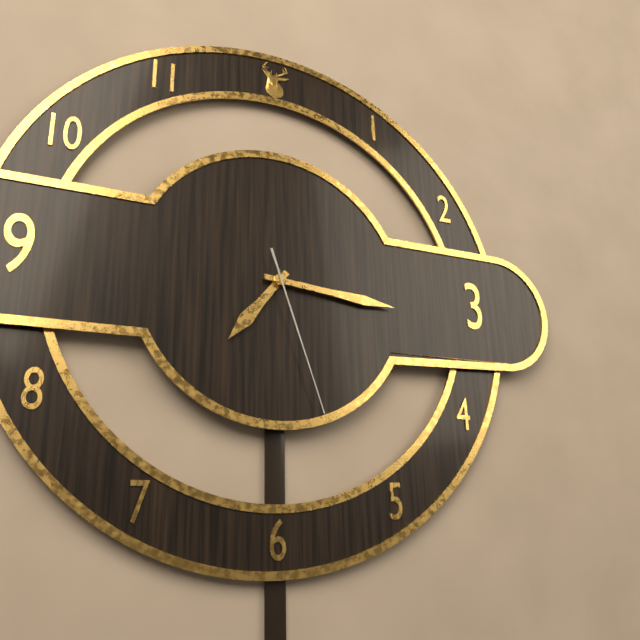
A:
**7:16:27**
